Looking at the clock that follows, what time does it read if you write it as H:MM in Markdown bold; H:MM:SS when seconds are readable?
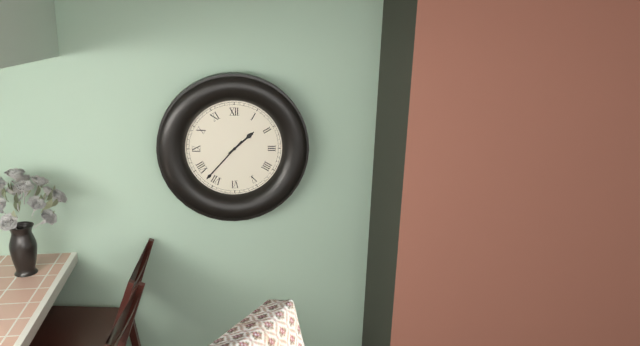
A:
**1:37**
